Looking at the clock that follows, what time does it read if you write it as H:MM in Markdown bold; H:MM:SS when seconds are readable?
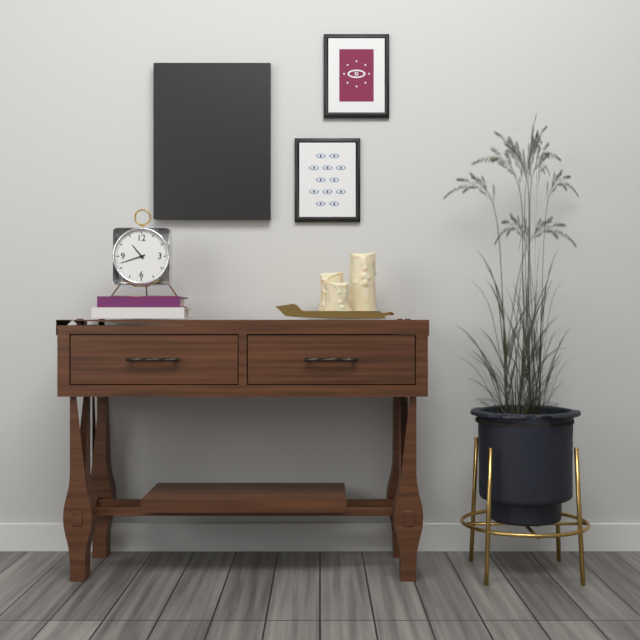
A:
**10:42**
